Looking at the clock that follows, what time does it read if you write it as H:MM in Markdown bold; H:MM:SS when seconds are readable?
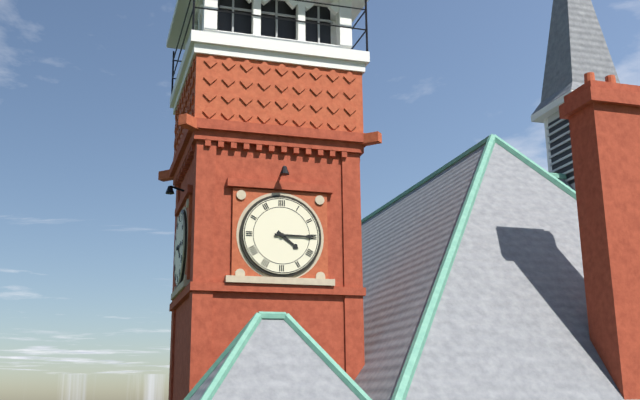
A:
**4:15**
